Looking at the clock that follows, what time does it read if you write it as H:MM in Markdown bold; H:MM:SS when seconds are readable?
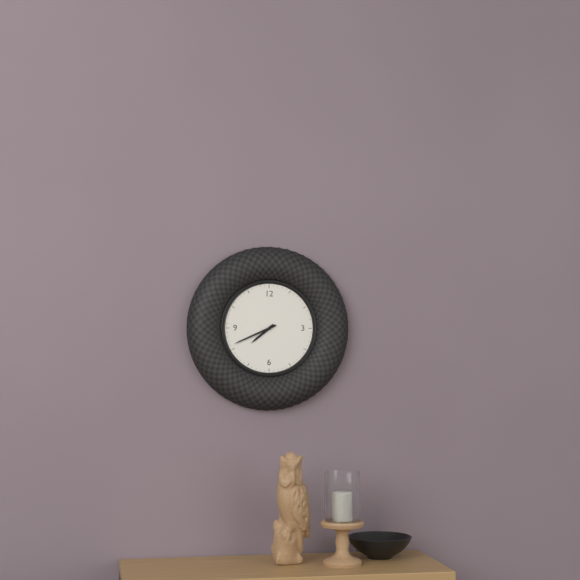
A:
**7:41**
